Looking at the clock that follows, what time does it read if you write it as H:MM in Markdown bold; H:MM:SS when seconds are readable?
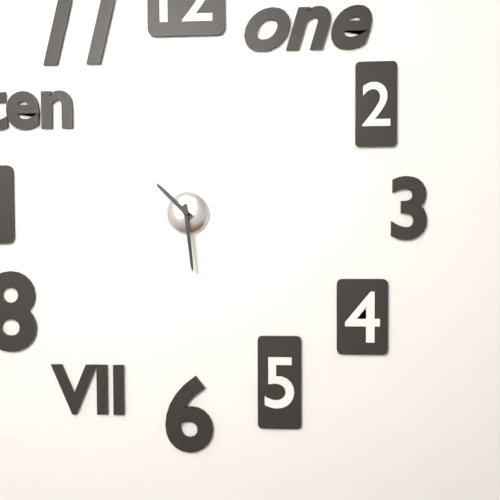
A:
**10:29**
